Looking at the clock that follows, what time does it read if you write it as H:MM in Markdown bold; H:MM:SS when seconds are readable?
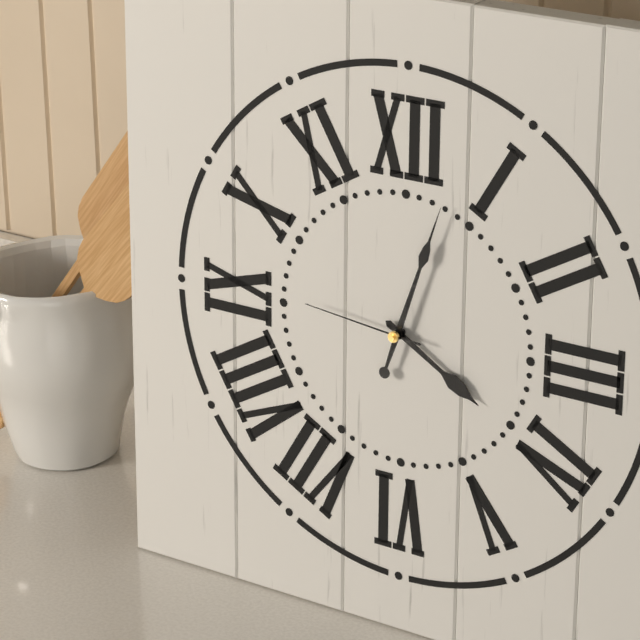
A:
**4:03:46**
